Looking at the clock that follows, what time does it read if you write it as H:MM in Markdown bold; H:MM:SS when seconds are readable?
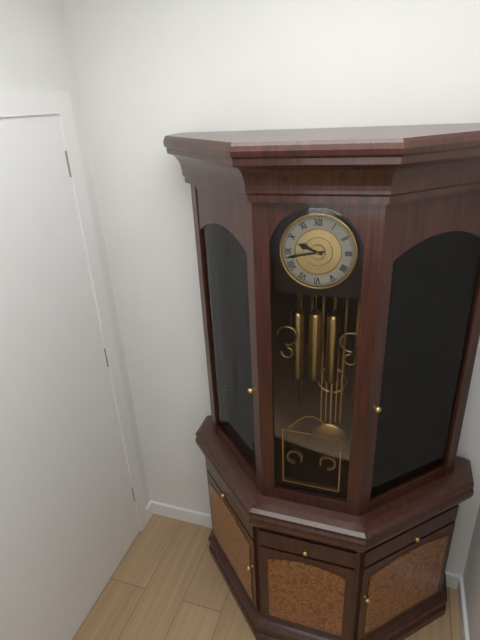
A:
**9:43**
